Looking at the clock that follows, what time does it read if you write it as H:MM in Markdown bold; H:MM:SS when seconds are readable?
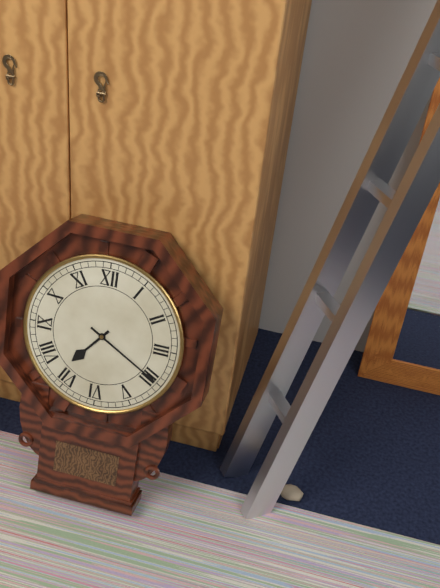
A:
**7:20**
